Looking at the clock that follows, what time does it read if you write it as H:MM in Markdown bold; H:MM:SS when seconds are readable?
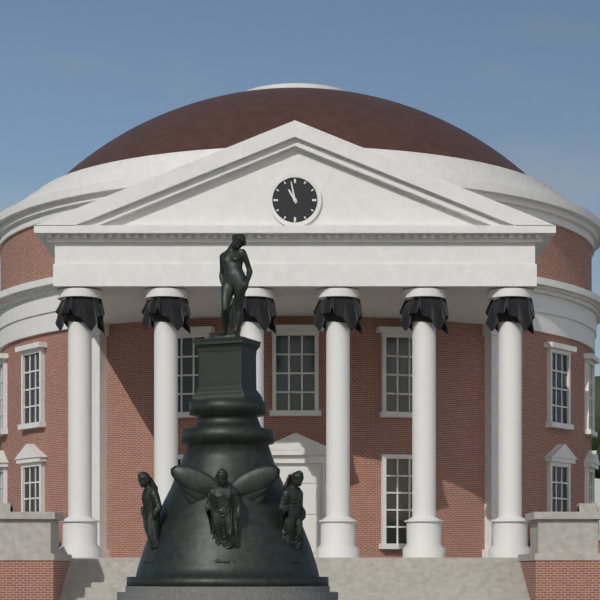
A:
**10:58**
